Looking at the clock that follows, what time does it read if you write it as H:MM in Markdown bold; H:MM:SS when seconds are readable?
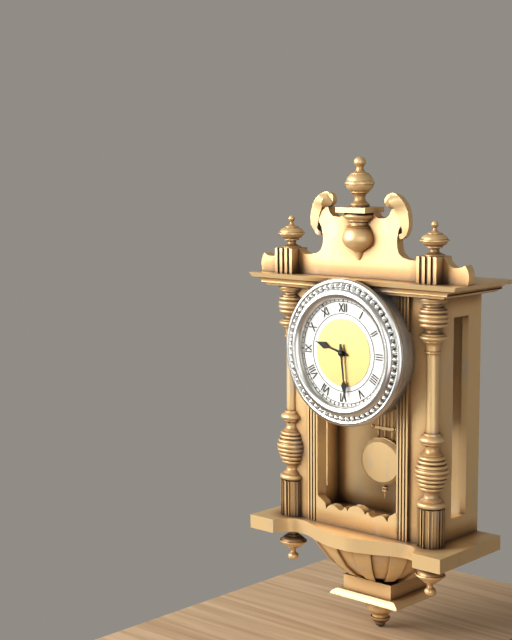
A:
**9:29**
